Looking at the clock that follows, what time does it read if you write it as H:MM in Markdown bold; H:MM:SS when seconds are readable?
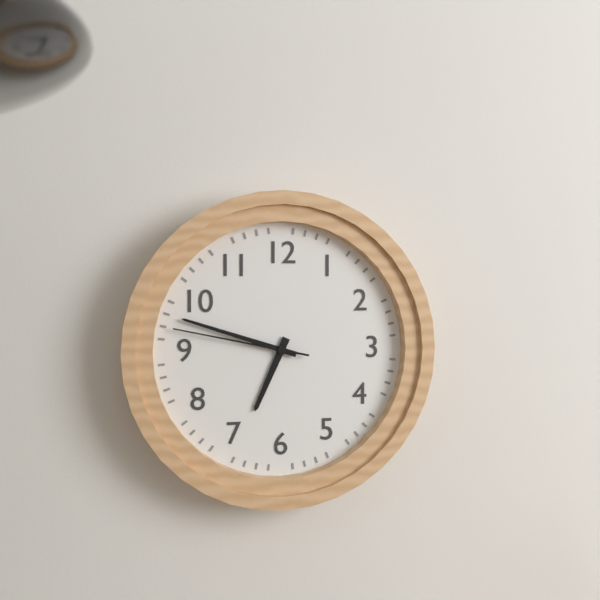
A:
**6:48:47**
